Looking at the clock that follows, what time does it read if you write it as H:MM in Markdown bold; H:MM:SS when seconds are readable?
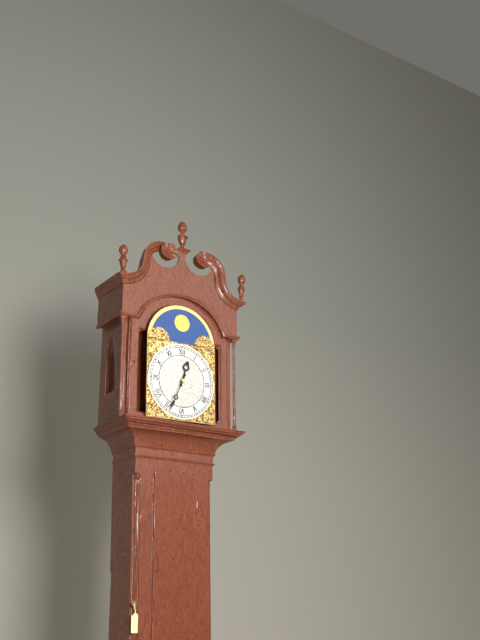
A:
**12:34**
